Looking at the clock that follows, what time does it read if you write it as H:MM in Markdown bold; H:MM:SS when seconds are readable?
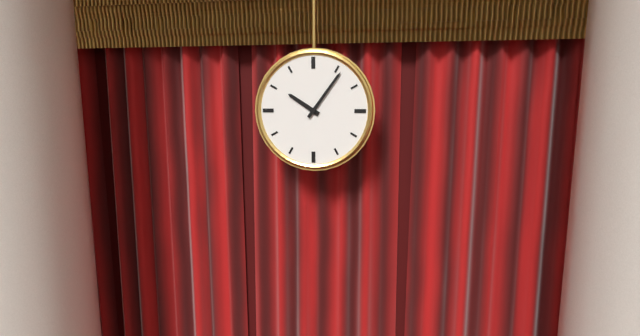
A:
**10:06**
